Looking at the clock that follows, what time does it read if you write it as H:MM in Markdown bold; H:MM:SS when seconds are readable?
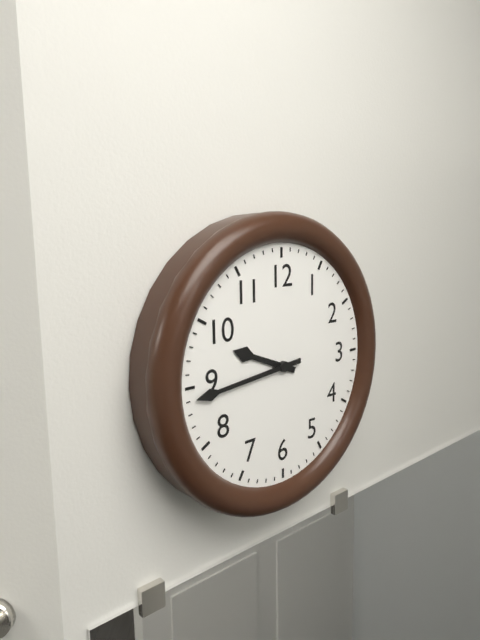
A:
**9:44**
